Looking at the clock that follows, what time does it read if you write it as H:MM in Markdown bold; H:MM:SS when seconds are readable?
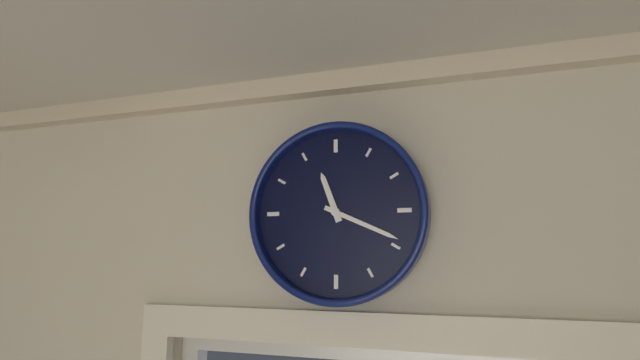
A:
**11:19**
